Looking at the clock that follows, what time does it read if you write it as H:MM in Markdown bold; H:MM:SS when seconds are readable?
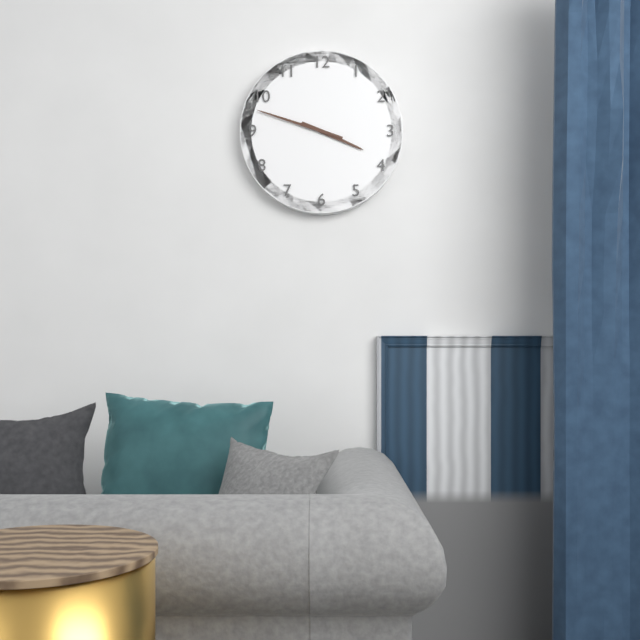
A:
**3:48**
